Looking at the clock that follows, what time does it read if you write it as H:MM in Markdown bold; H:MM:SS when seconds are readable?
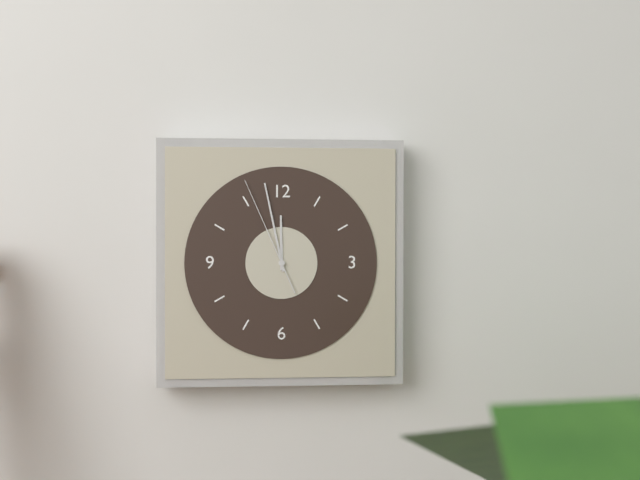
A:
**11:58:56**
